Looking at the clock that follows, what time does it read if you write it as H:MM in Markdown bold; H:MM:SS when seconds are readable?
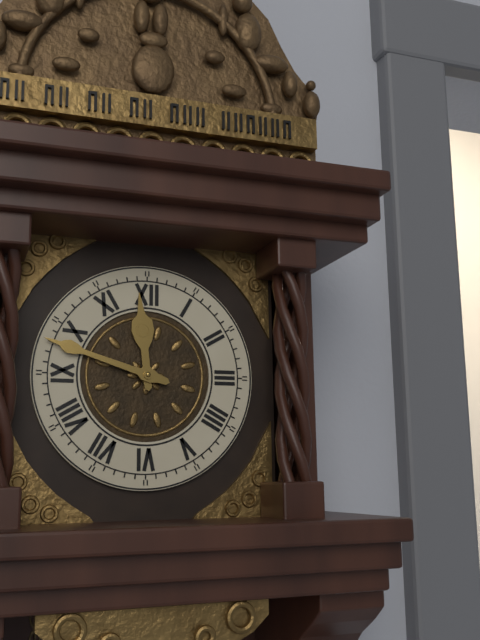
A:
**11:48**
